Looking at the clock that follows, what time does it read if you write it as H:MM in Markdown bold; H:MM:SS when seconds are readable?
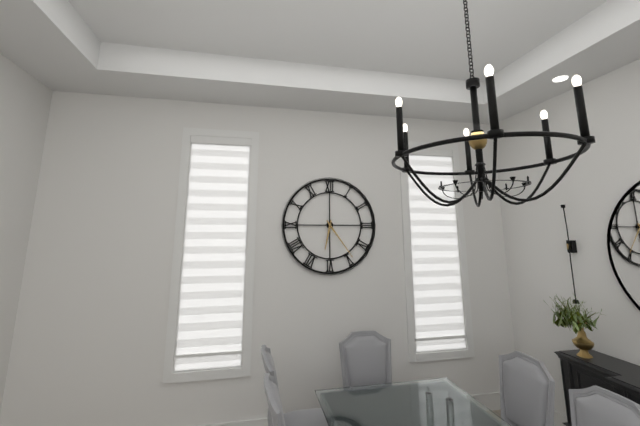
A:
**6:24**
